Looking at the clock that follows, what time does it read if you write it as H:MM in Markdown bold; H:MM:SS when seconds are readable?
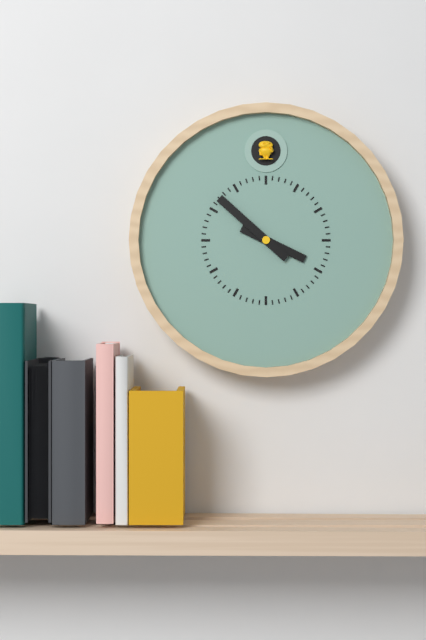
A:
**3:52**
